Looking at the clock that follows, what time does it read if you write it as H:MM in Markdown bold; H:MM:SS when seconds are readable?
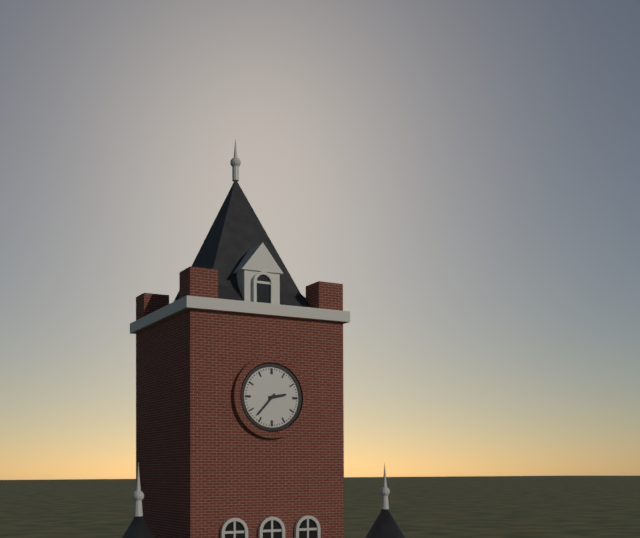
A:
**2:37**
